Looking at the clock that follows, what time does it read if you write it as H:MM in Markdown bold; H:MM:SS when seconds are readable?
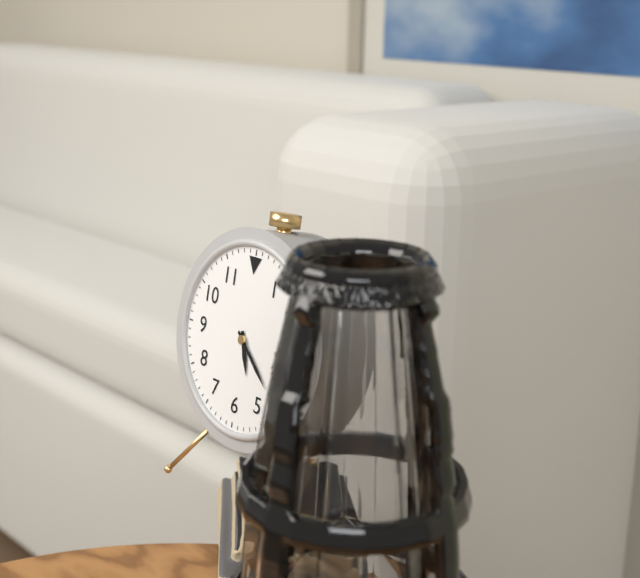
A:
**5:22**
